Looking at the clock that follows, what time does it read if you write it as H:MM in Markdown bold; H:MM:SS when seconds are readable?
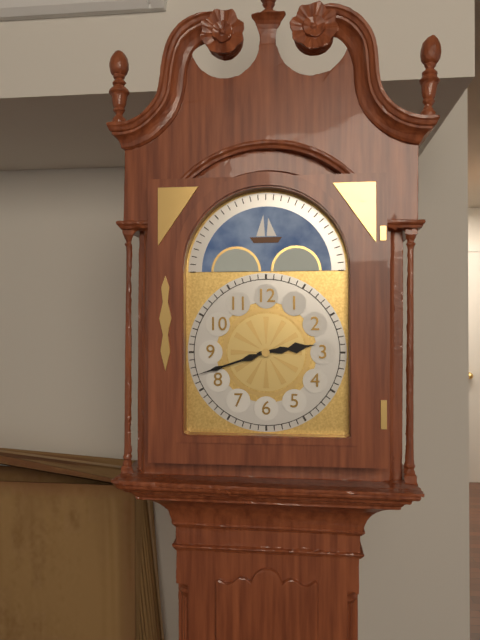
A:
**2:42**
